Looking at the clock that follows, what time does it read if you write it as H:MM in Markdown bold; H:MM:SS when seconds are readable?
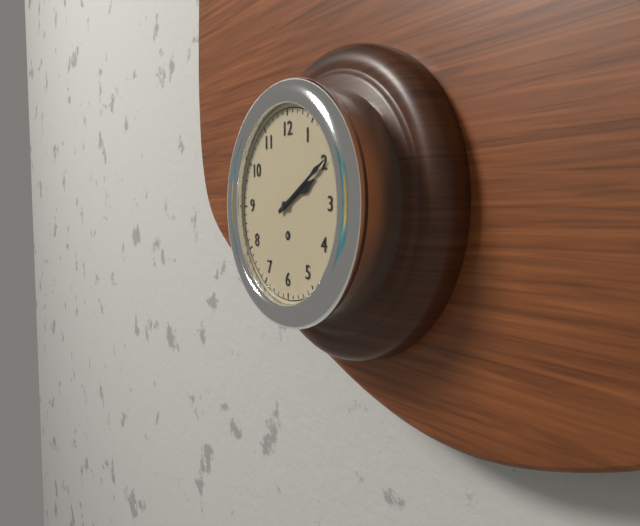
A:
**2:10**
